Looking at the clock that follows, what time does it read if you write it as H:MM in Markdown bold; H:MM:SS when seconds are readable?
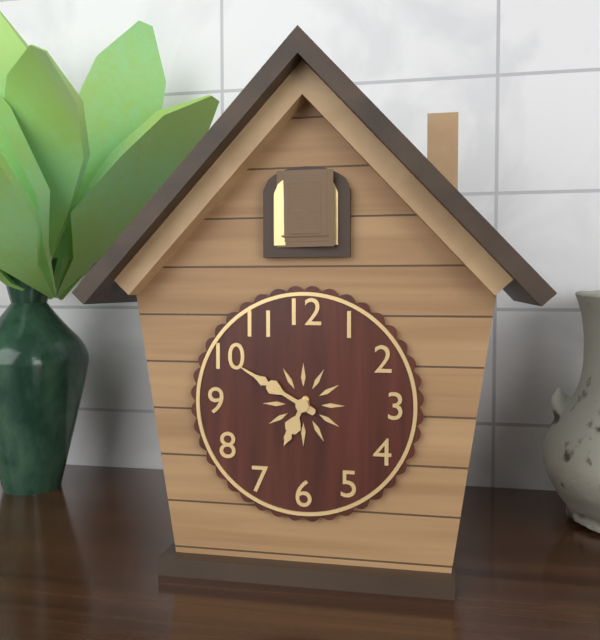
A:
**6:50**
